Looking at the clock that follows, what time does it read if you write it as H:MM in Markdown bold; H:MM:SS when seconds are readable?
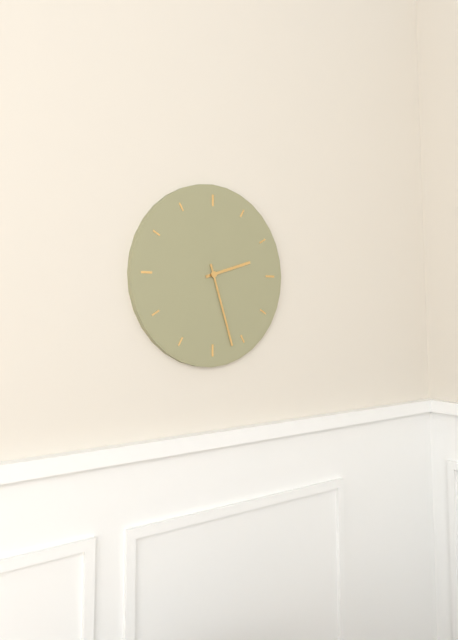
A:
**2:27**
